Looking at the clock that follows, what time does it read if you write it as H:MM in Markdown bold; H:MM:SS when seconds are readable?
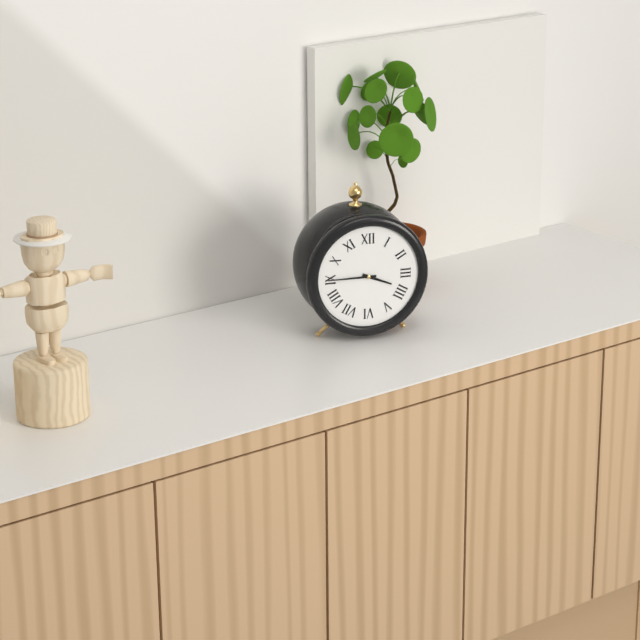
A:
**3:45**
